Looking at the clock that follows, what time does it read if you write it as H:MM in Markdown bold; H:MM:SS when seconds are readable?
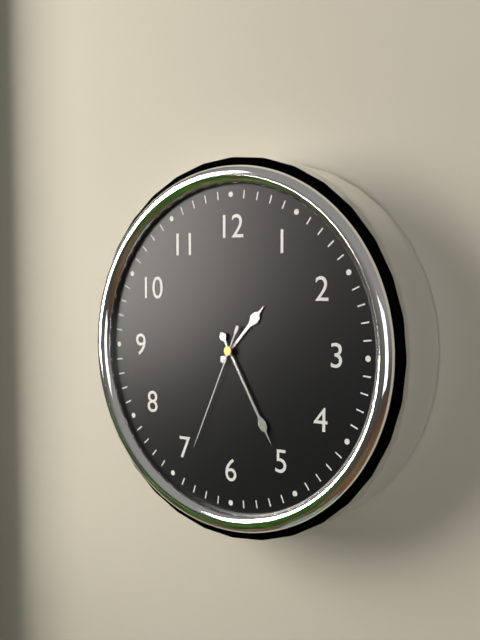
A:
**1:25:34**
